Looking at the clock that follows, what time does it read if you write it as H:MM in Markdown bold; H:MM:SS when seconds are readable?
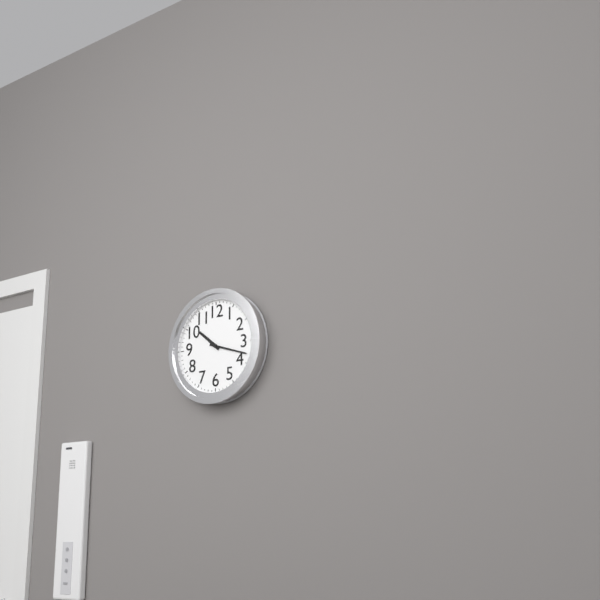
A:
**10:18**
